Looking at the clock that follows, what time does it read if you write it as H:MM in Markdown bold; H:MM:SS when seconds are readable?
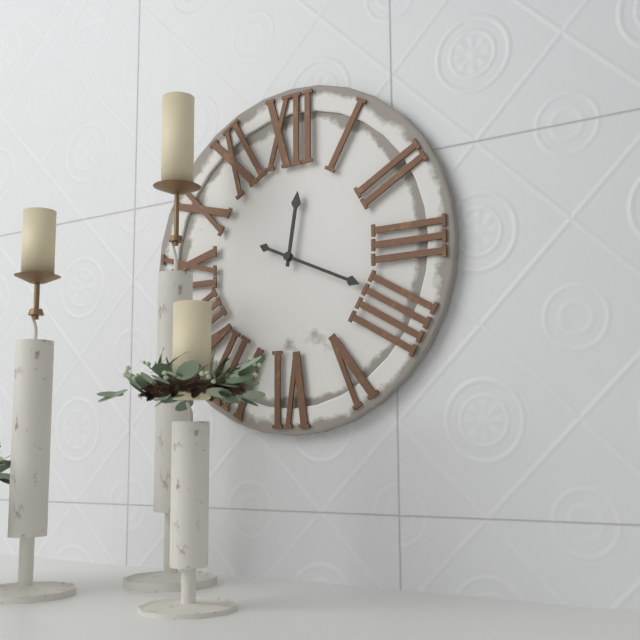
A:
**12:19**
